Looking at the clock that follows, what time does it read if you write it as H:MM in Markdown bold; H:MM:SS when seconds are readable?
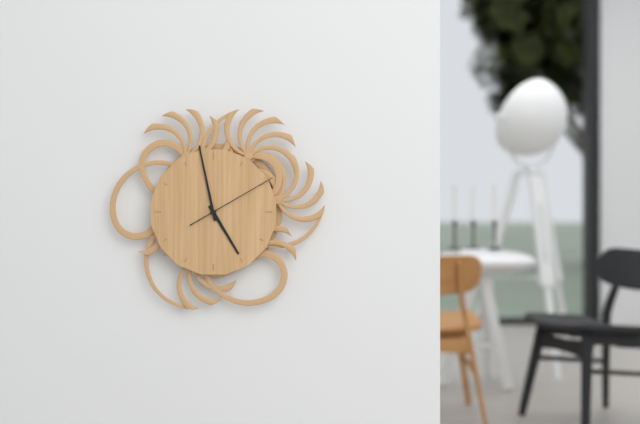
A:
**4:58:10**
